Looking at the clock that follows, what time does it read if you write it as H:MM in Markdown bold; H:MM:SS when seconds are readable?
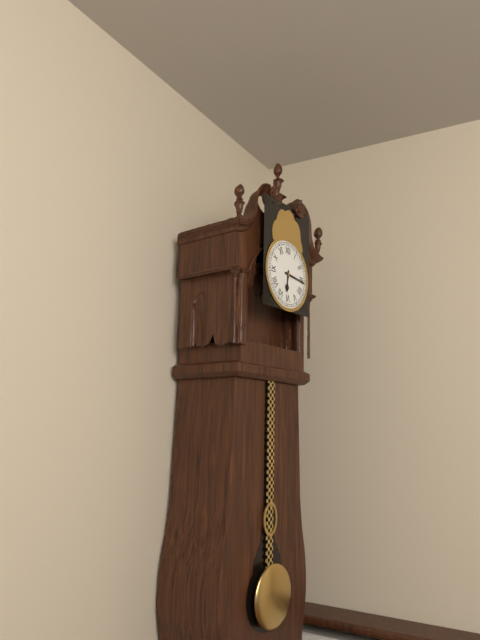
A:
**6:16**
